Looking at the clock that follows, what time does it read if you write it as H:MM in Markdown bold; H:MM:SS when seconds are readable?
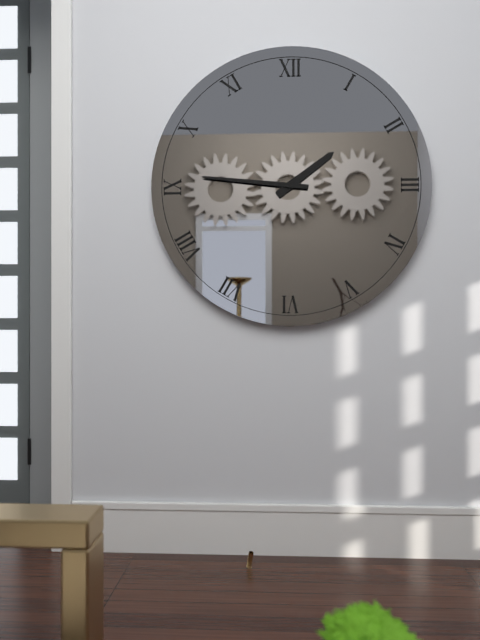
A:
**1:46**
